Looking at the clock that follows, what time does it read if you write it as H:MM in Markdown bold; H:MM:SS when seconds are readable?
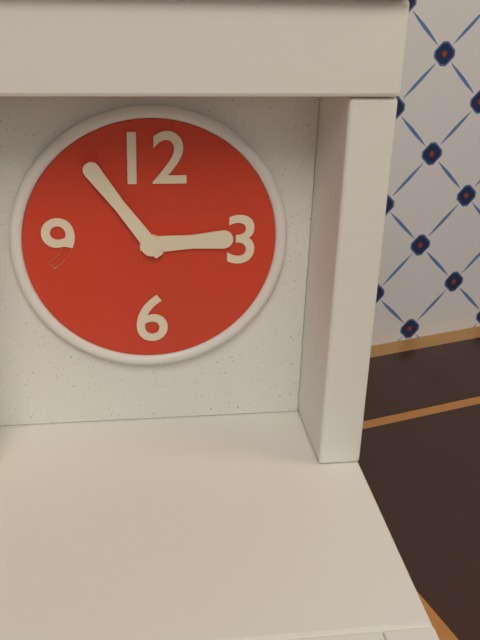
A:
**2:54**
